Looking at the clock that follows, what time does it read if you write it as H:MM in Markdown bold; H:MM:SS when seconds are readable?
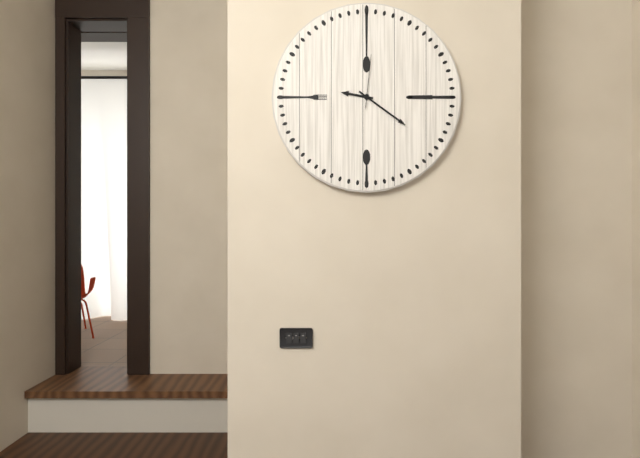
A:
**9:21:01**
